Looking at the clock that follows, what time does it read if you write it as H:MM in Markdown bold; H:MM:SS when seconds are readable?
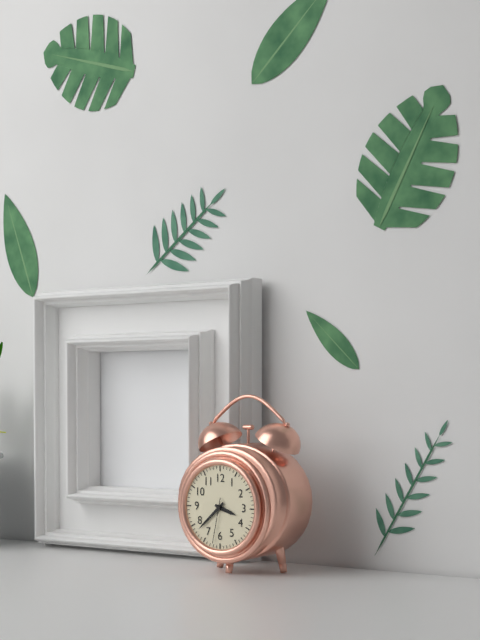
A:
**3:38**
